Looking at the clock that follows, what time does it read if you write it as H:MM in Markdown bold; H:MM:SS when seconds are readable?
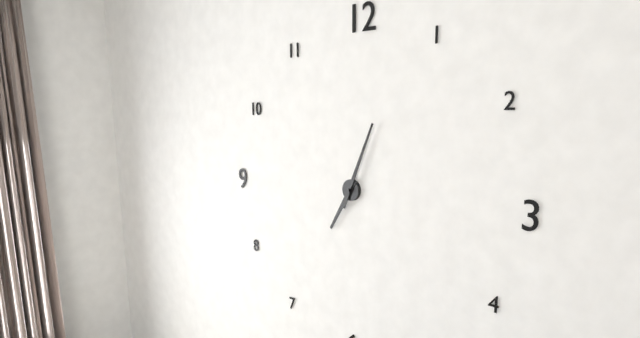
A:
**7:04**
